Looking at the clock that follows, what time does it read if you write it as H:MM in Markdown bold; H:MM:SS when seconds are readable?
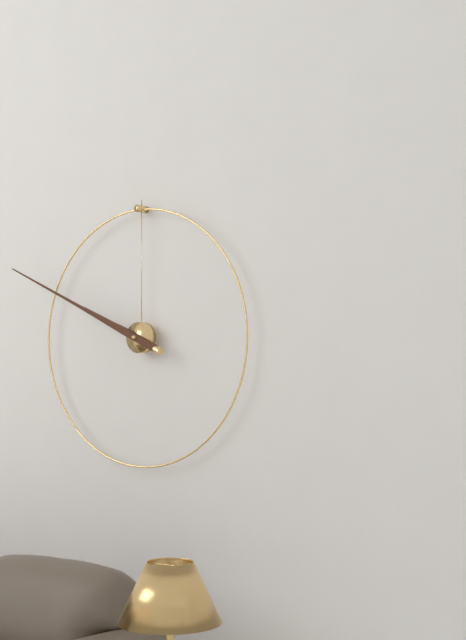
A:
**9:49**
